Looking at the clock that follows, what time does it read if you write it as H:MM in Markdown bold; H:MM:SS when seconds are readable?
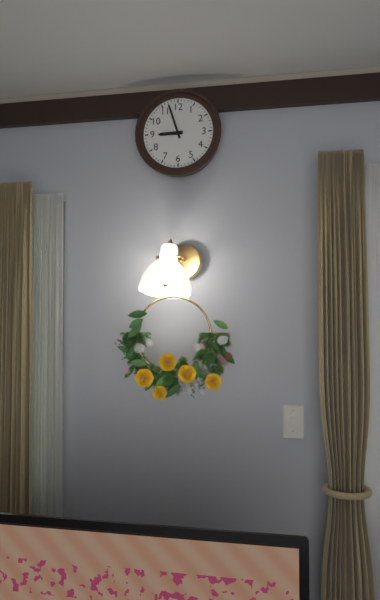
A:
**8:57**
